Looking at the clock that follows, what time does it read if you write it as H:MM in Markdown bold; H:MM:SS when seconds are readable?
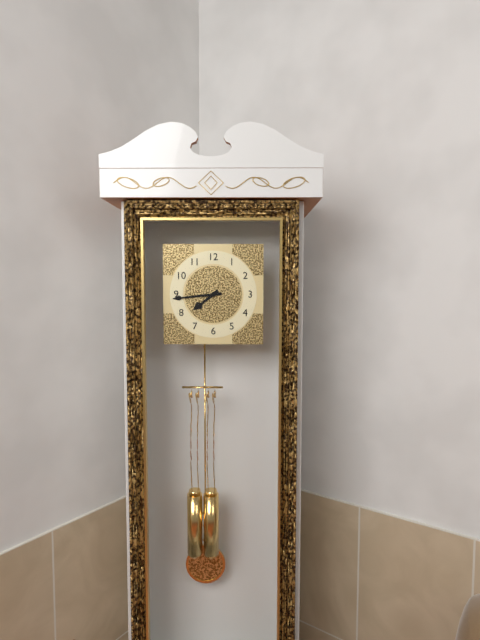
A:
**7:44**
